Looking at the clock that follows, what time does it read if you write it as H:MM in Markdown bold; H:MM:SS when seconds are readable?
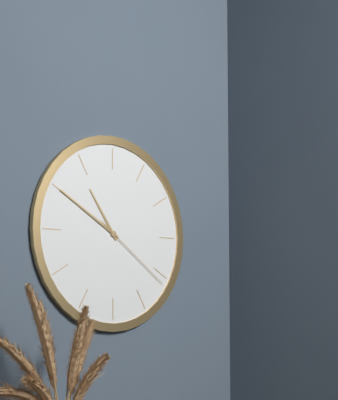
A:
**10:50:21**
